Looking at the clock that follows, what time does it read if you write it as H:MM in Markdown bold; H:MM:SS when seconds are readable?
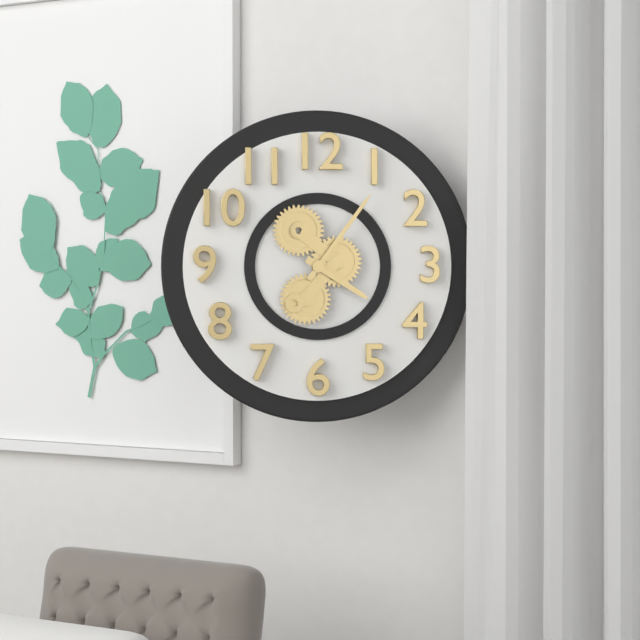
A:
**4:06**
